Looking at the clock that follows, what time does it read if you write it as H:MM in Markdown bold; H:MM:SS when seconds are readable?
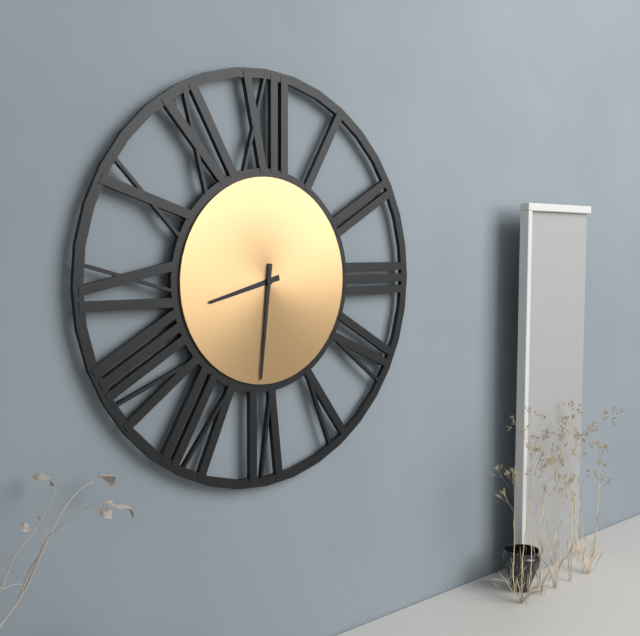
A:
**8:31**
